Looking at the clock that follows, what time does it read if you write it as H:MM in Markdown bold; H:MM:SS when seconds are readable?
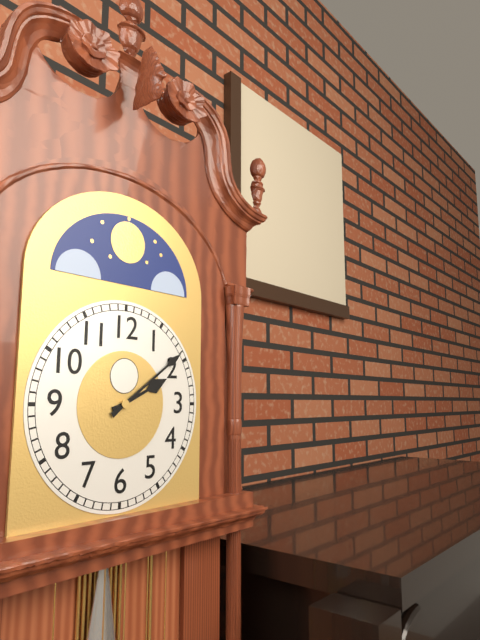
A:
**2:09**
